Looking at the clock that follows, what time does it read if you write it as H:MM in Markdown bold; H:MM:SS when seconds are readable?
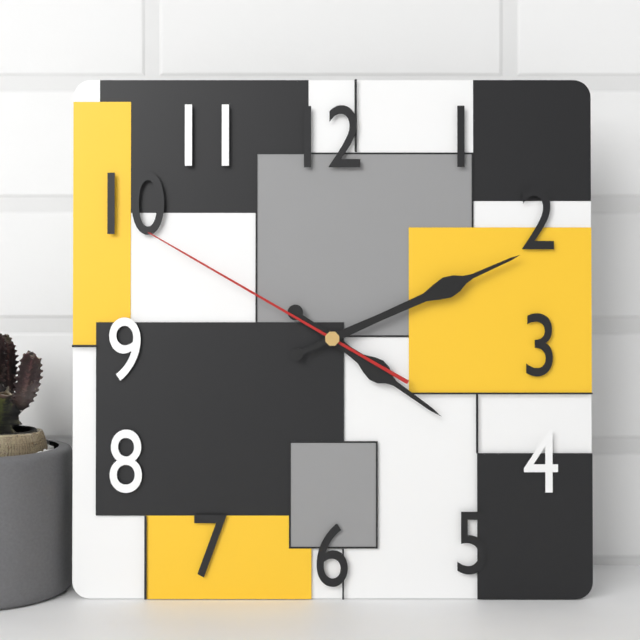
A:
**4:11:50**
